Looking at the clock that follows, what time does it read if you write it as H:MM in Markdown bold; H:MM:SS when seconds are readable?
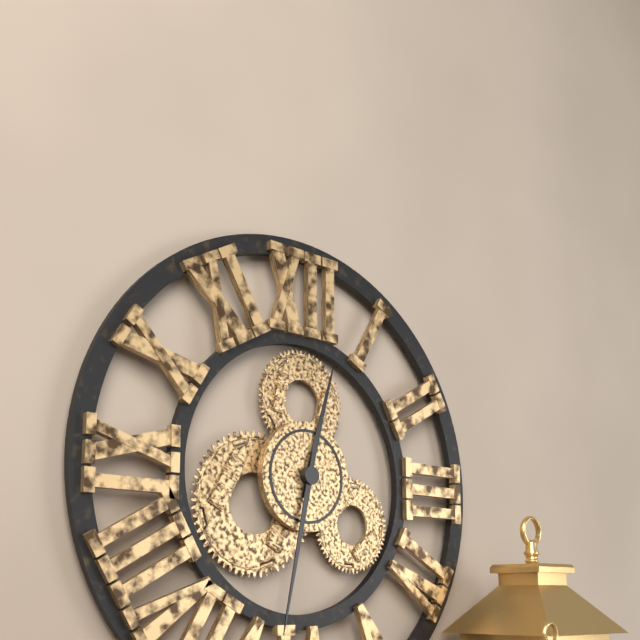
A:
**12:32**
